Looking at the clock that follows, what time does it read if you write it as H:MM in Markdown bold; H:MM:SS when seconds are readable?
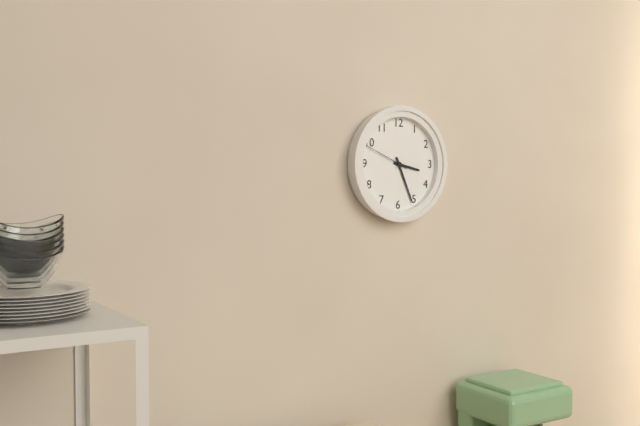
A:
**3:26**
